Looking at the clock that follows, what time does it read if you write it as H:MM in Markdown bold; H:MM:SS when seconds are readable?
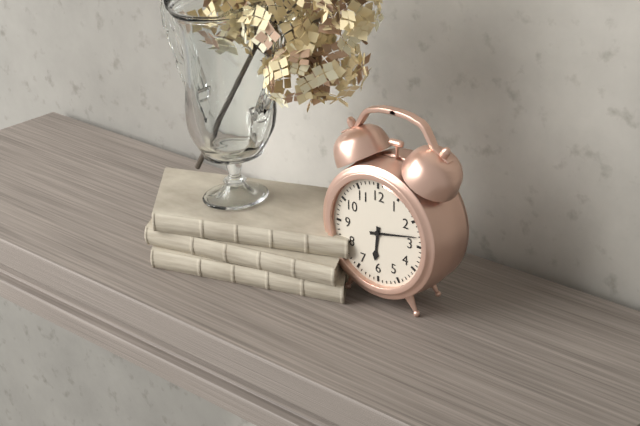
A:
**6:13**
